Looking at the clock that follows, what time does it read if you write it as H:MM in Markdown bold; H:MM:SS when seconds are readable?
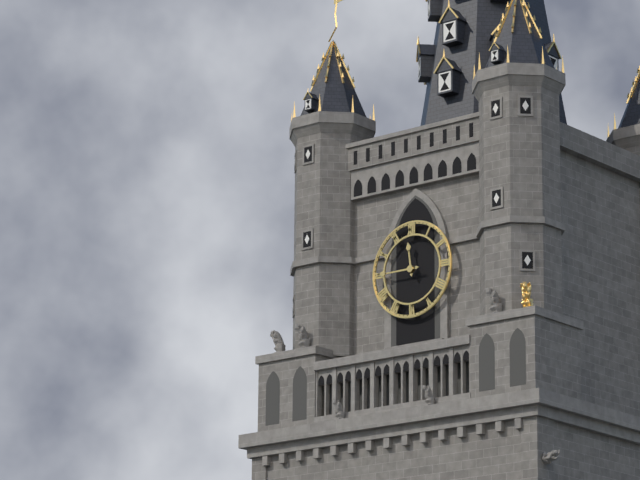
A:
**11:45**
